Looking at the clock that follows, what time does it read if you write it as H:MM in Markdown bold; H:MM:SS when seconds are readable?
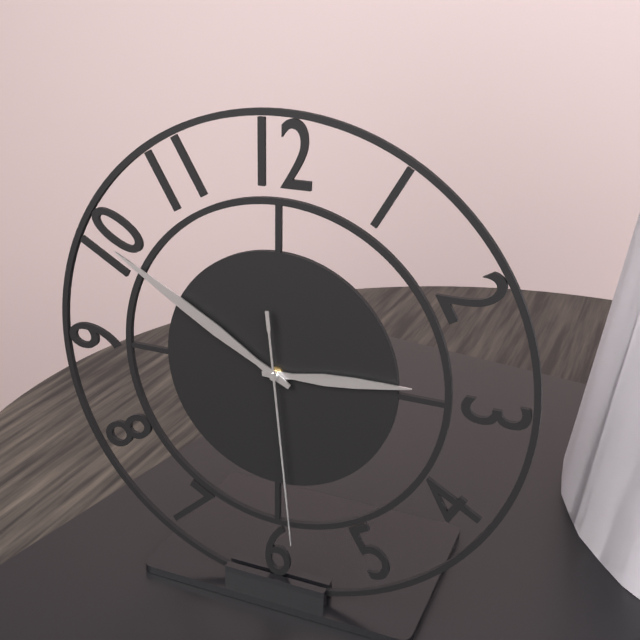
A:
**2:50:29**
